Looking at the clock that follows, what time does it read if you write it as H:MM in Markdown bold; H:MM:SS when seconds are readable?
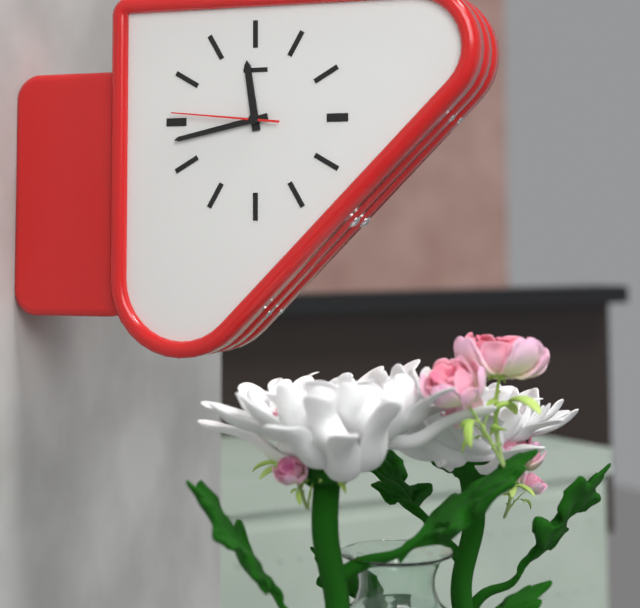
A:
**11:43:46**
